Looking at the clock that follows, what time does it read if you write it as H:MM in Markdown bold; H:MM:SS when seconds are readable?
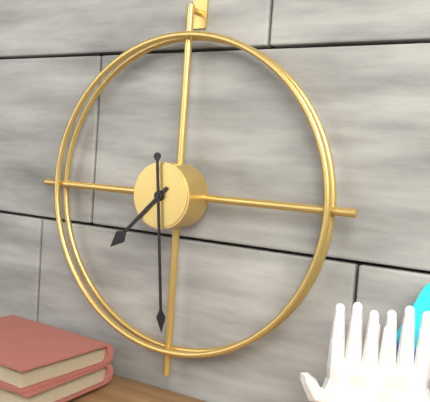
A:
**7:29**
